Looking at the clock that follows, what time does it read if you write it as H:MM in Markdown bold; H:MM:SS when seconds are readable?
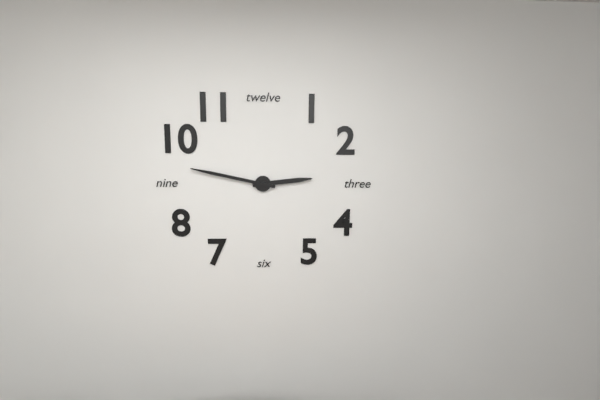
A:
**2:47**
